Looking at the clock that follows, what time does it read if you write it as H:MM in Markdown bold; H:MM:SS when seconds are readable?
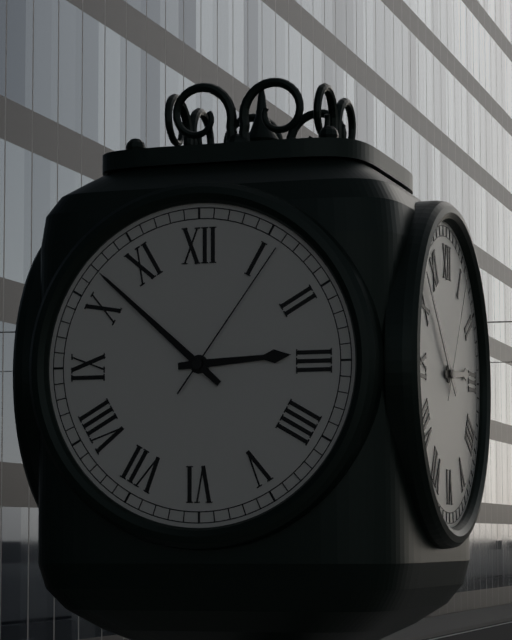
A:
**2:52:06**
